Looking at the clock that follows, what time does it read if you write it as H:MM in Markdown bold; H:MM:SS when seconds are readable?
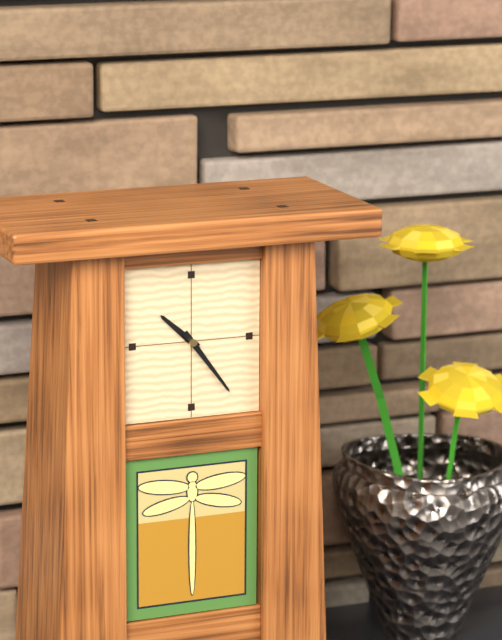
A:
**10:24**
